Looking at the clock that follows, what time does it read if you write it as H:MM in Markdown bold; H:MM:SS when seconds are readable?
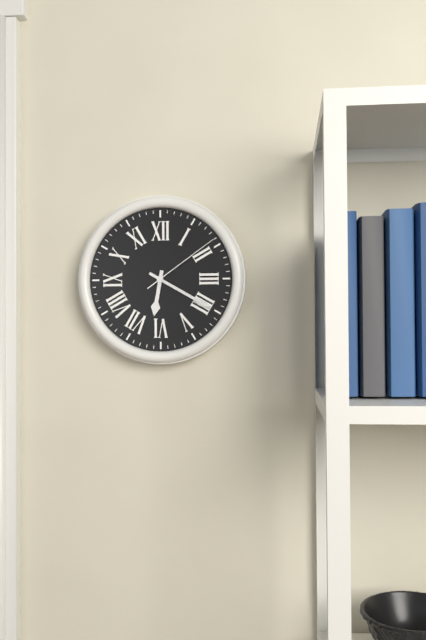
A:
**6:20:09**
